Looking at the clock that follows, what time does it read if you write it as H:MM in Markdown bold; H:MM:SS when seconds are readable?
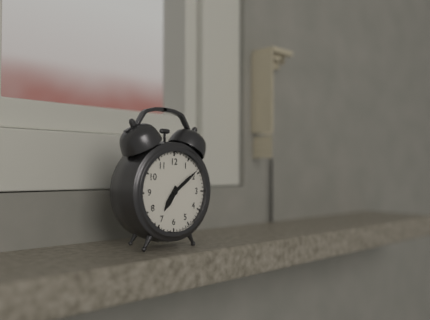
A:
**7:09**
